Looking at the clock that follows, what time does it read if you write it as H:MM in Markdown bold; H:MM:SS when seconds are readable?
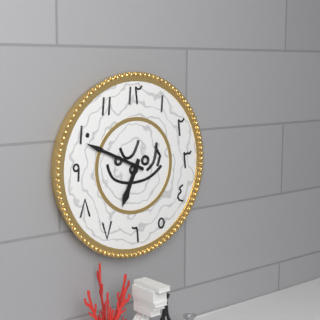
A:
**6:49**
